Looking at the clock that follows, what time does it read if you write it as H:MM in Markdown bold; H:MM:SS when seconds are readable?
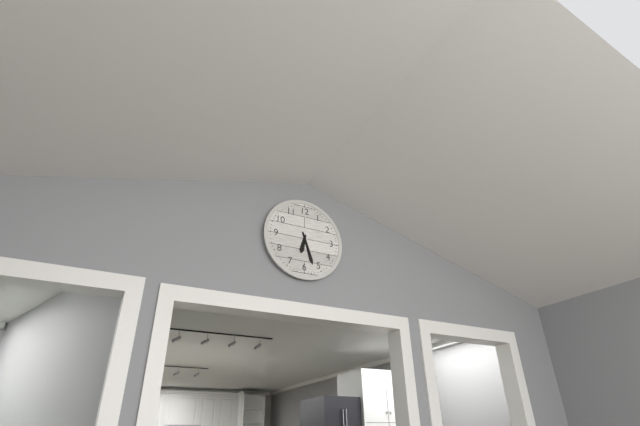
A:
**6:27**
